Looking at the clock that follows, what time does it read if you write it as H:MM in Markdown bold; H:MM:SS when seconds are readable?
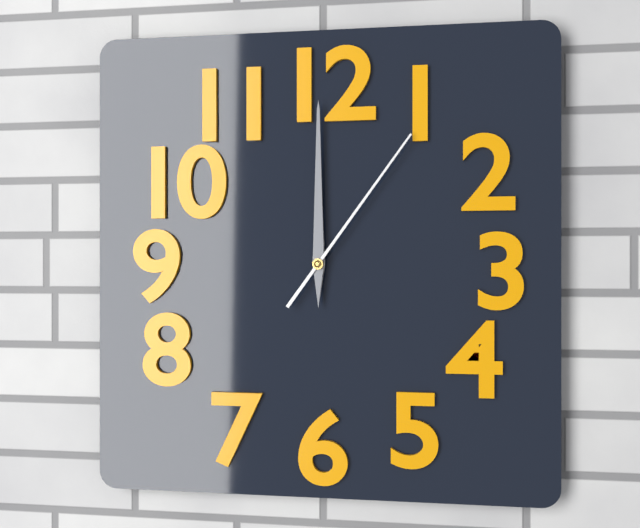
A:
**12:00:06**
